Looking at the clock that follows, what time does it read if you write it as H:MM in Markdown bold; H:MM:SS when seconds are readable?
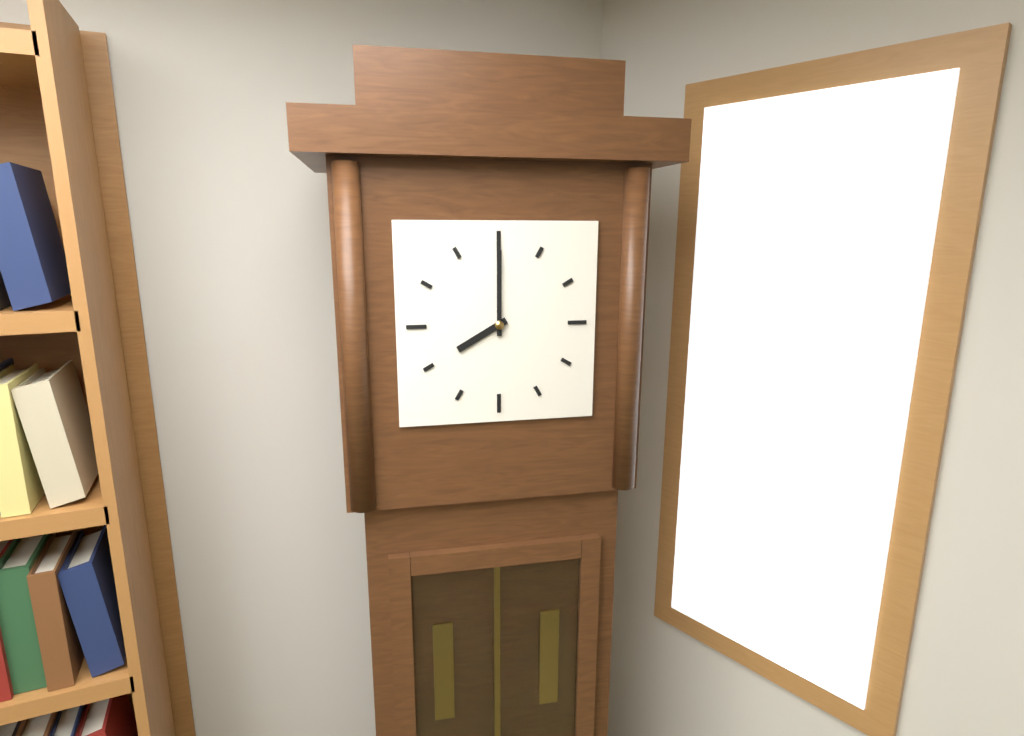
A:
**8:00**
